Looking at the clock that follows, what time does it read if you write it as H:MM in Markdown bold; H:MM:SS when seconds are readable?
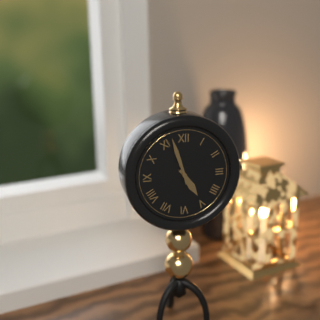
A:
**4:57**
